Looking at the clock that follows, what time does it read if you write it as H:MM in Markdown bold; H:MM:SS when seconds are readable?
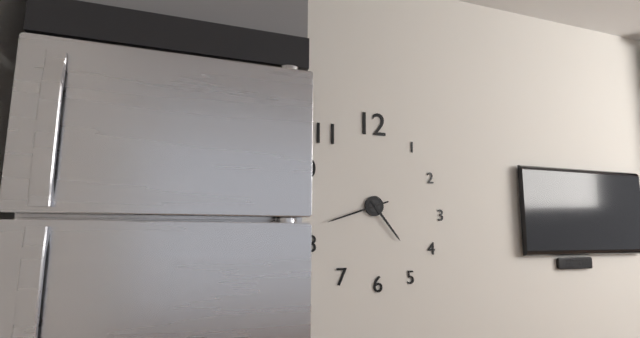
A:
**4:42**
